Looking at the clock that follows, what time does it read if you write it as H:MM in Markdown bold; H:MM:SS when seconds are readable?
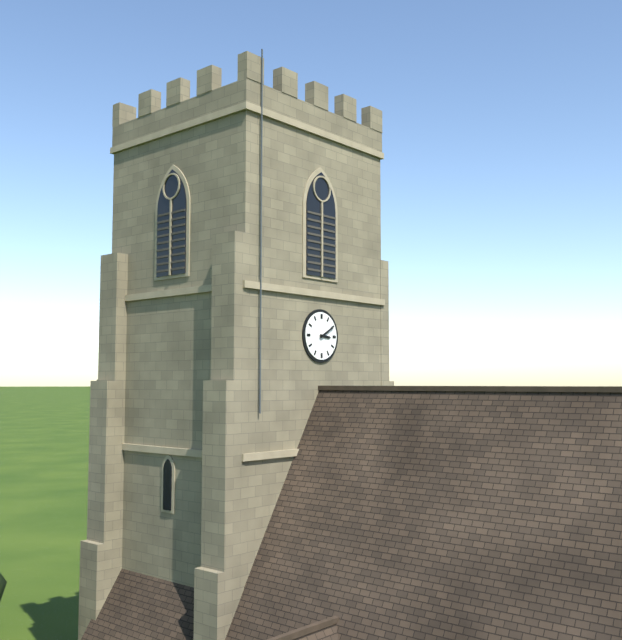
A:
**3:10**
